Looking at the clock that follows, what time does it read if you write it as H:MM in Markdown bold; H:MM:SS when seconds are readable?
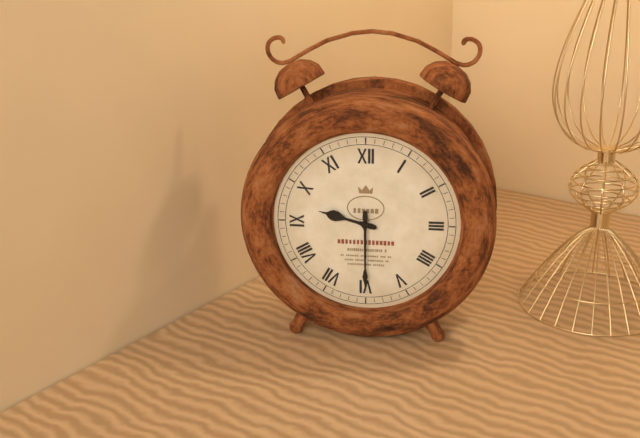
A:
**9:30**
